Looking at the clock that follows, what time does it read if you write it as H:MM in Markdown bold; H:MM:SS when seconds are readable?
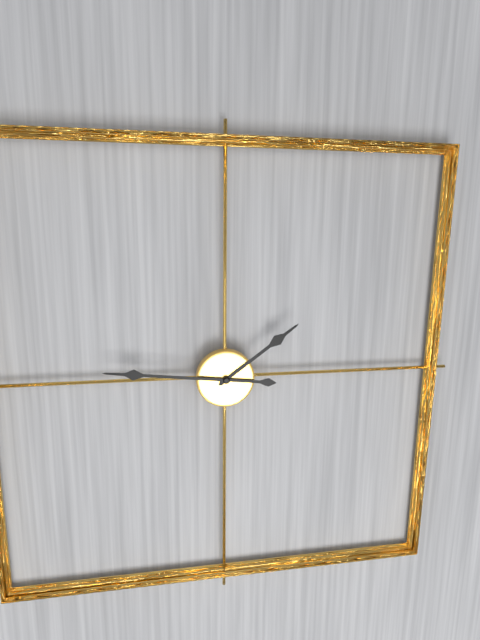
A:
**1:46**
